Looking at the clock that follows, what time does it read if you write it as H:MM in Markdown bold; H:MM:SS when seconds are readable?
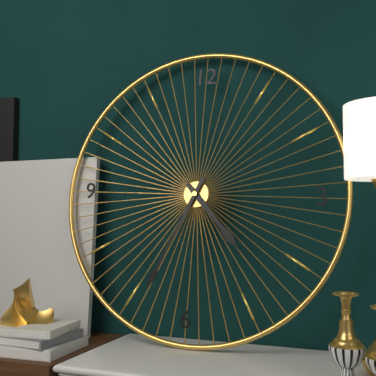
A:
**4:34**
